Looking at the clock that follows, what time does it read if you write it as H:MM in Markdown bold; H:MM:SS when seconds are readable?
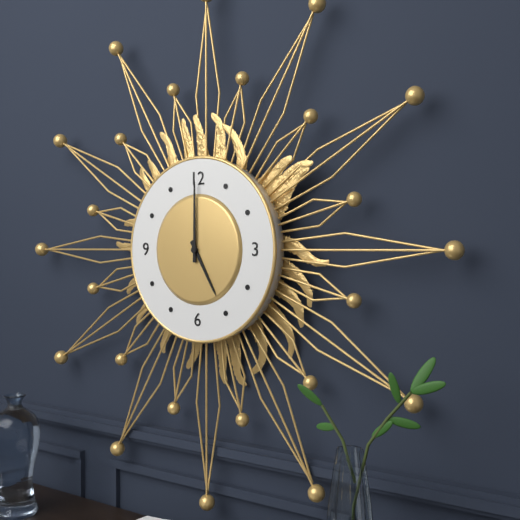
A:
**5:00**
